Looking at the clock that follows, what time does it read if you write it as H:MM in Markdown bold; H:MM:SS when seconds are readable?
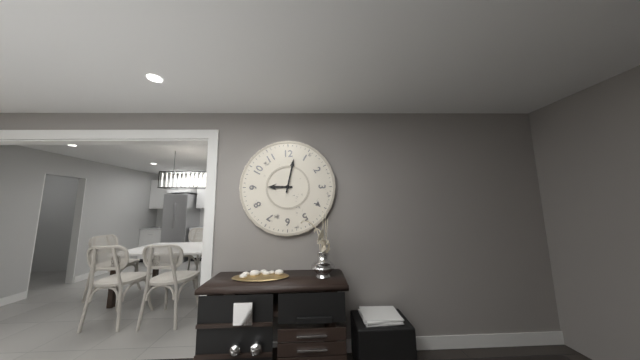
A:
**9:02**
